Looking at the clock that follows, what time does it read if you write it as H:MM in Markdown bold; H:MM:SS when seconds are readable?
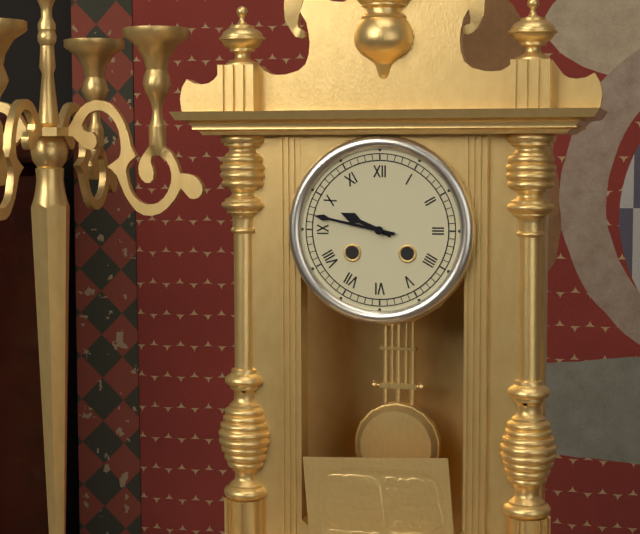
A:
**9:47**
